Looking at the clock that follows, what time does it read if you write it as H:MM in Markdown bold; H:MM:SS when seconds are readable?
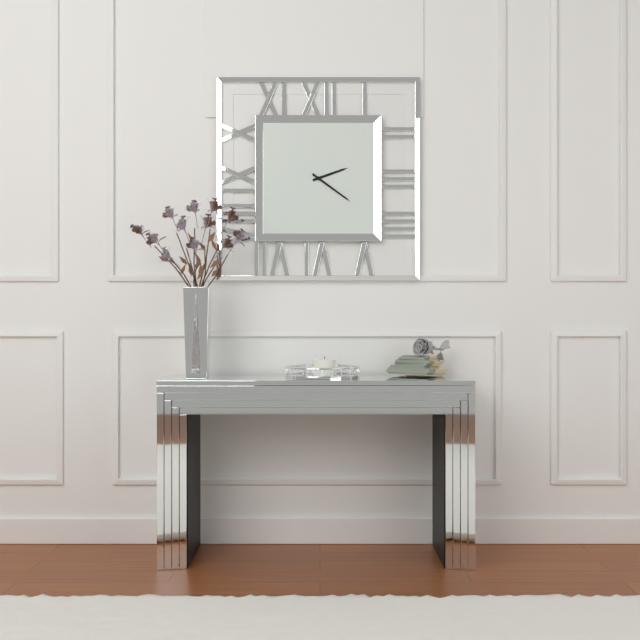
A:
**2:21**
